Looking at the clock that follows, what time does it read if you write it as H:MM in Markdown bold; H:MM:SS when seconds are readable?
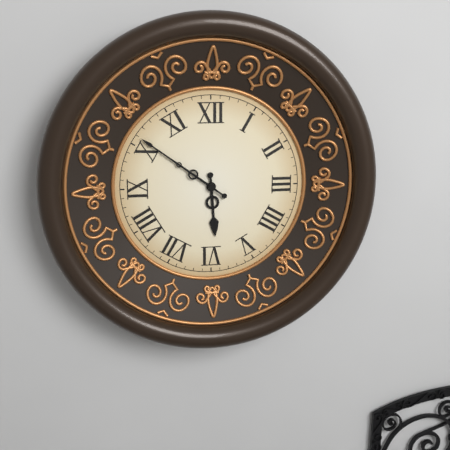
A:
**5:51**
